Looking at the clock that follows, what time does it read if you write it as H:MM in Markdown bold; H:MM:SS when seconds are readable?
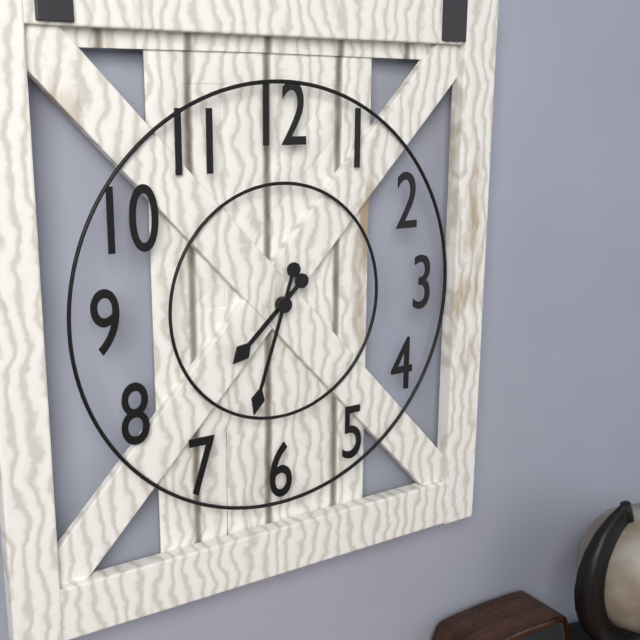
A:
**7:33**
